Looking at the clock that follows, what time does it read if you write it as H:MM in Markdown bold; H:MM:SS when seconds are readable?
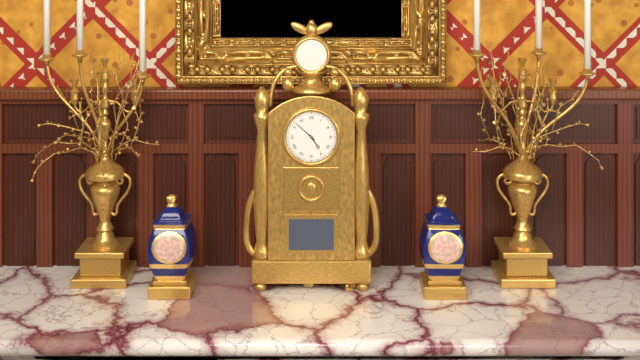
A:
**4:52**
